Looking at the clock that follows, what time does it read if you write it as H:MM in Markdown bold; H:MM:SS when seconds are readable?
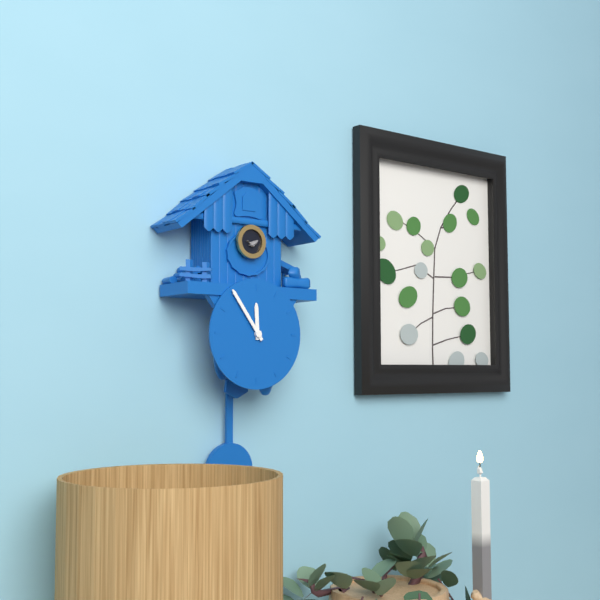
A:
**11:54**
